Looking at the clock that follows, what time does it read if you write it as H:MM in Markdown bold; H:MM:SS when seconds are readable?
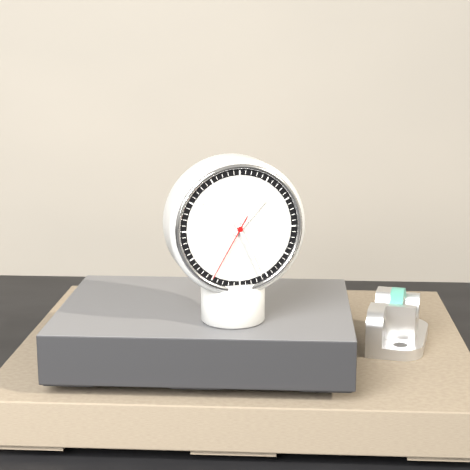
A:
**1:26:35**
